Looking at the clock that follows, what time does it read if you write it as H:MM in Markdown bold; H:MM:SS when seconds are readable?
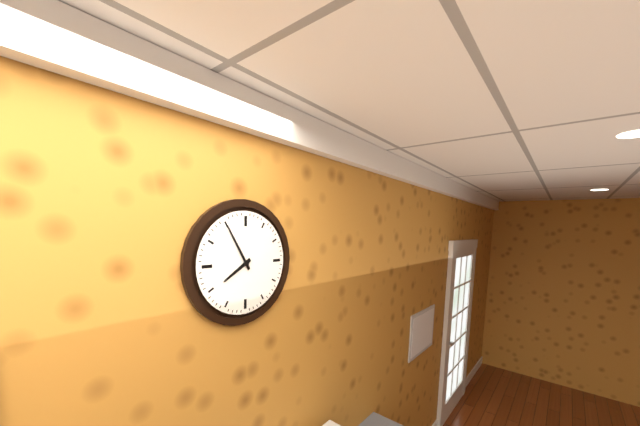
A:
**7:55**
